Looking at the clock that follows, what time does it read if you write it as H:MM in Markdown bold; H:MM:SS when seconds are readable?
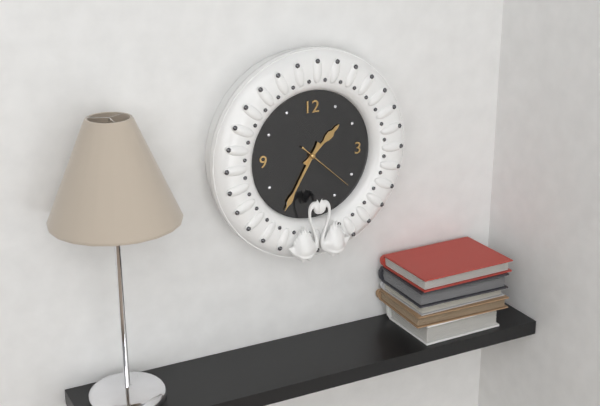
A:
**1:35:22**
